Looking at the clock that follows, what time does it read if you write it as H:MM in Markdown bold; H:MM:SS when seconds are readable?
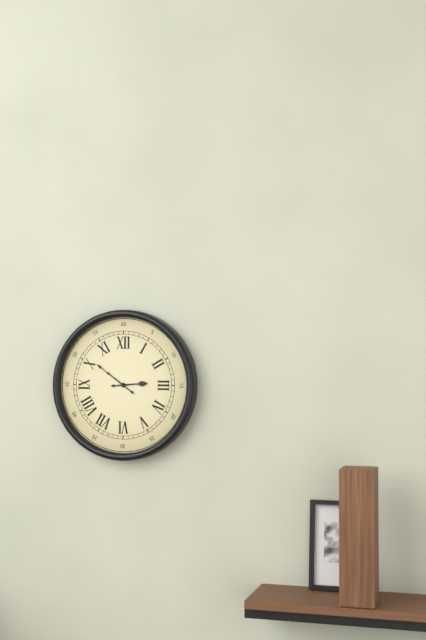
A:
**2:51**
